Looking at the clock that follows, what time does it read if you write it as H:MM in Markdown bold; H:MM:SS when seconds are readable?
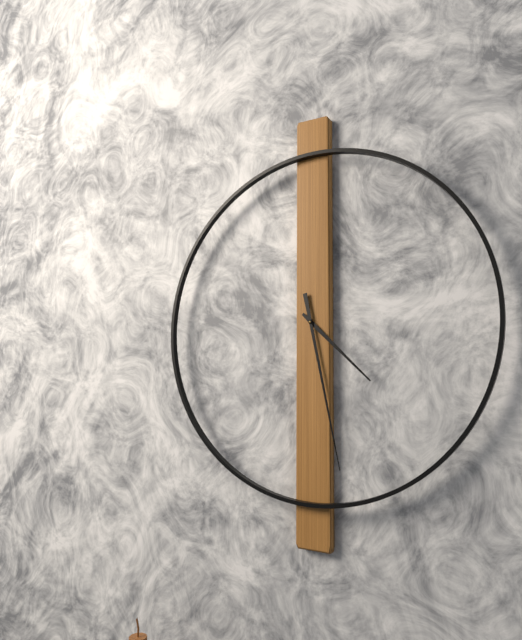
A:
**4:28**
